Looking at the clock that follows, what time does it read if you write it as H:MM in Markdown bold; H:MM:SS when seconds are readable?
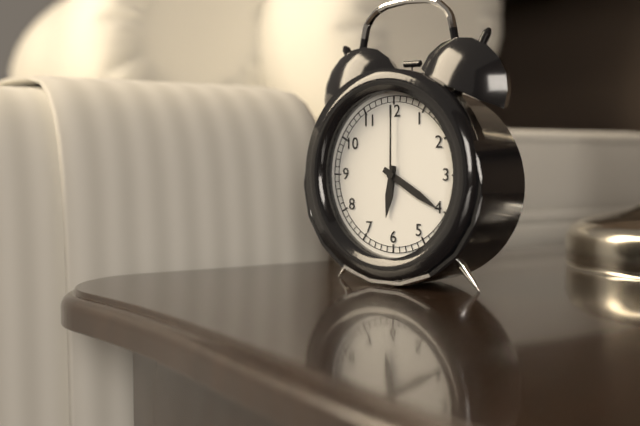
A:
**6:20:00**
